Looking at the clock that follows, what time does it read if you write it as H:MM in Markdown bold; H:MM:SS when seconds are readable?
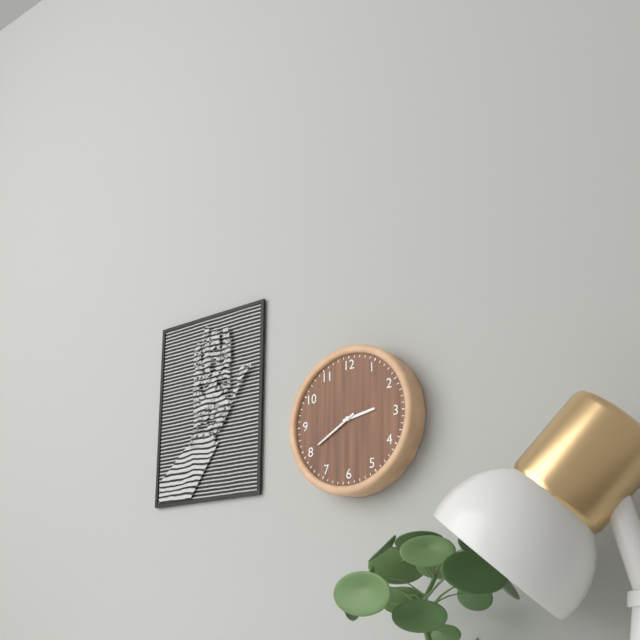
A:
**2:40**
